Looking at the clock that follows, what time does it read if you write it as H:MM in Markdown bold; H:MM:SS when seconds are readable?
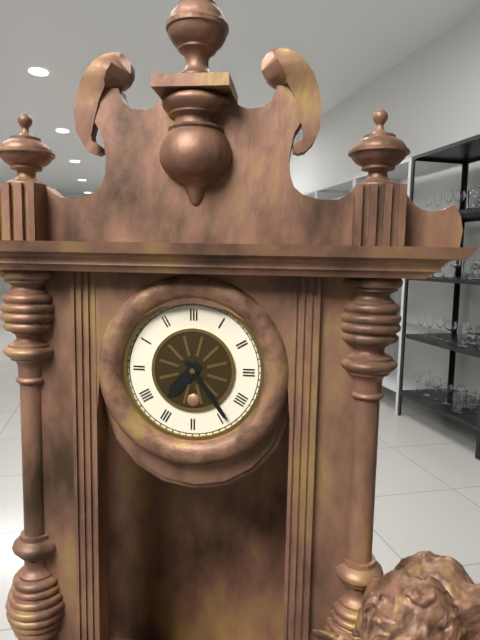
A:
**7:24**
